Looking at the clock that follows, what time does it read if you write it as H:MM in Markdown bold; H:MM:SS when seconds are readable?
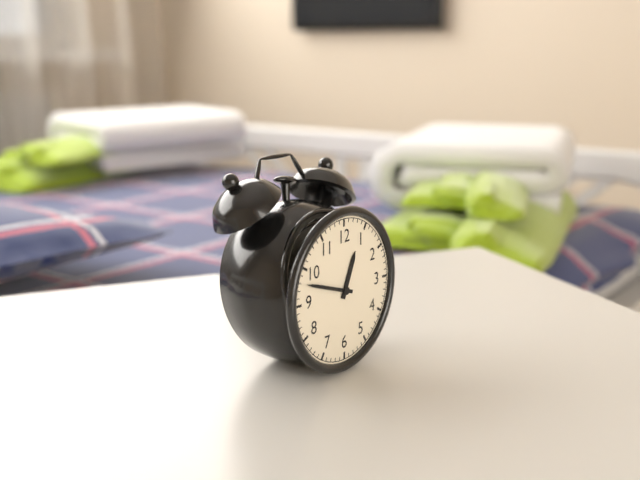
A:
**12:48**
